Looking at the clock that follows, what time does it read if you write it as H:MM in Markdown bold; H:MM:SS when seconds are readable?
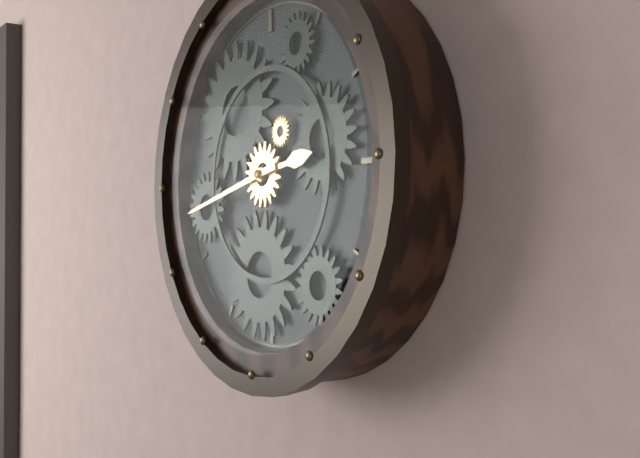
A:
**2:43**
